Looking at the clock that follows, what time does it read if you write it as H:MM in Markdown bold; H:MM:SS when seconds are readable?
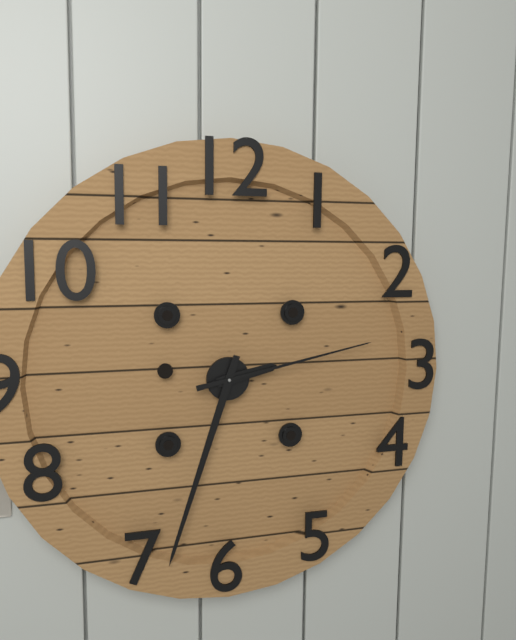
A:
**2:33:13**
